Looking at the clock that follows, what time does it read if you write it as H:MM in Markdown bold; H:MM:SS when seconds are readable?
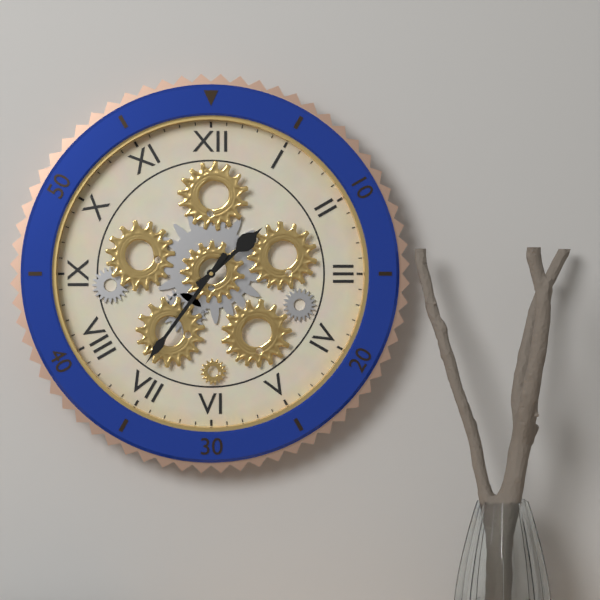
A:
**1:36**
